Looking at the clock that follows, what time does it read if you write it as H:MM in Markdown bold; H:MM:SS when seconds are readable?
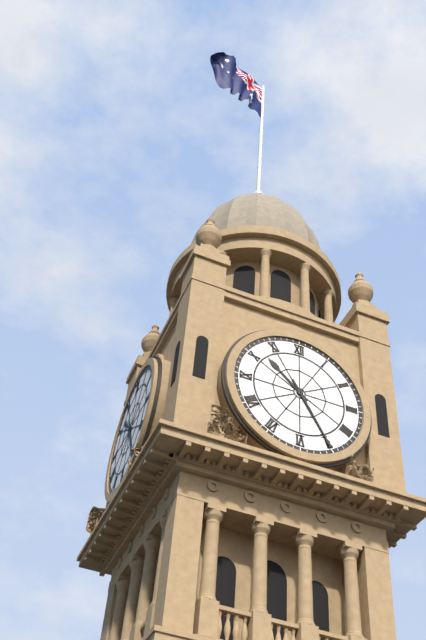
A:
**10:25**
